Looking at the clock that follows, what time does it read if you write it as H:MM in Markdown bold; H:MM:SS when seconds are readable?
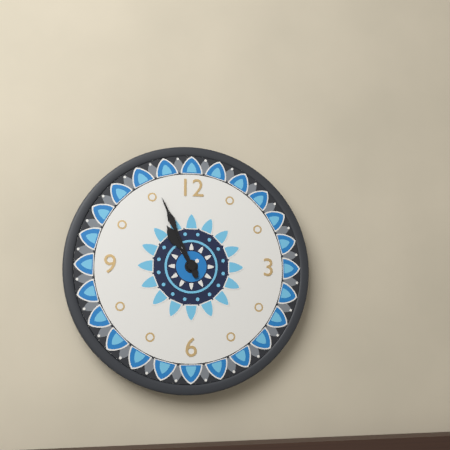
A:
**10:56**
